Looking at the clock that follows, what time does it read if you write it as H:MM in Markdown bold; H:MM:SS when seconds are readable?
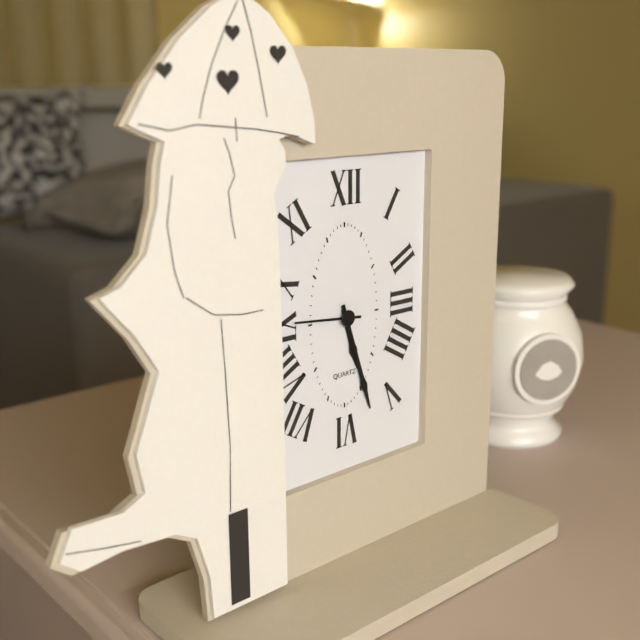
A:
**5:27:46**
